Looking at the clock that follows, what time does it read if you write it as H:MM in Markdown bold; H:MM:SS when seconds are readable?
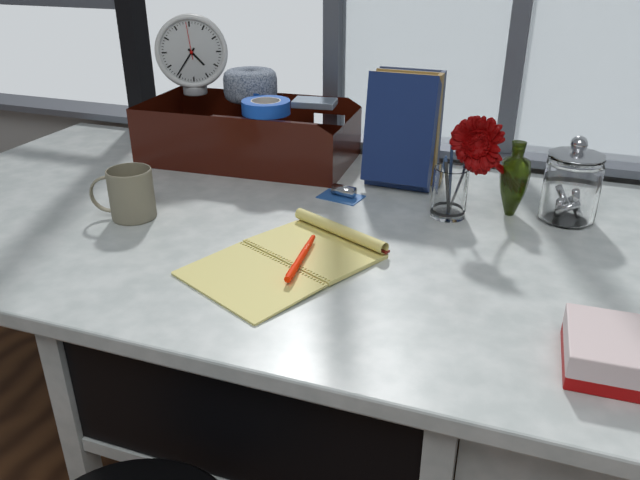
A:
**4:36**
